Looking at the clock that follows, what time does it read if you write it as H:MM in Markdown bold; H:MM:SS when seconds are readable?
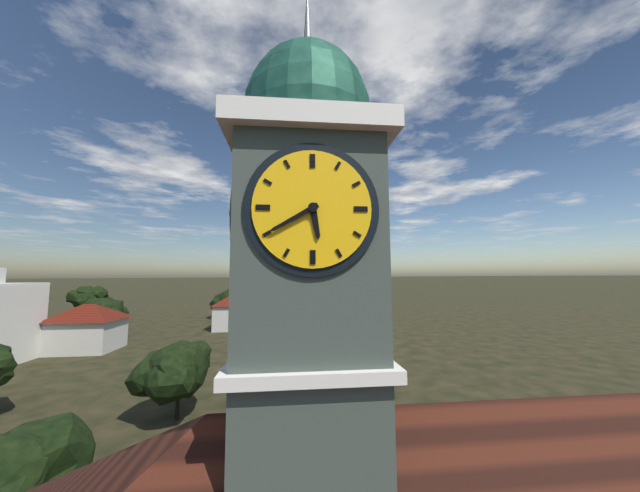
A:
**5:40**
